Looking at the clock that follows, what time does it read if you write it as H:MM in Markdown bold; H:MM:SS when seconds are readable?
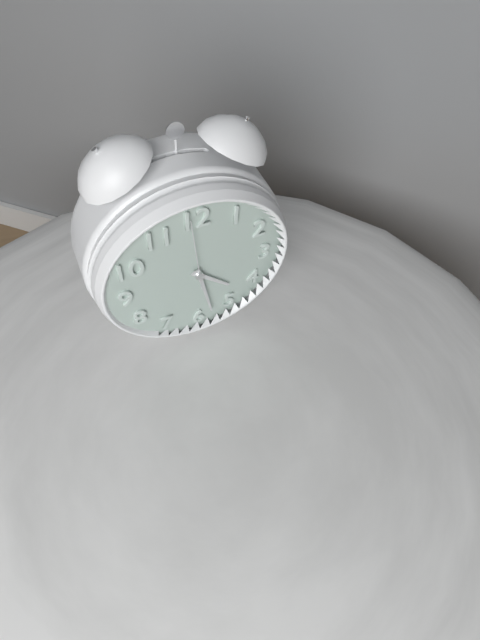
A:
**4:28:59**
